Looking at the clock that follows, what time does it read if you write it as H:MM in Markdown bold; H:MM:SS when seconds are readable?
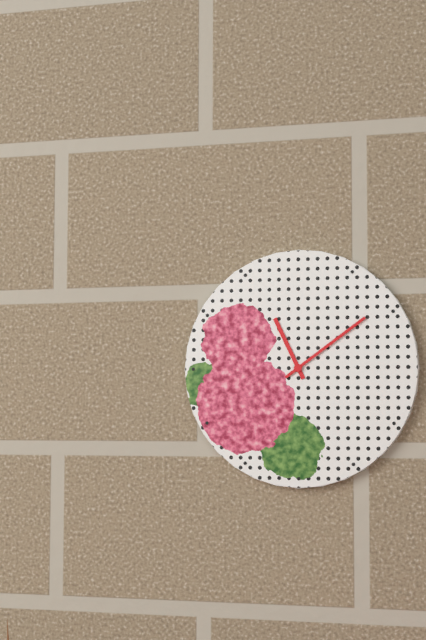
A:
**11:09**
